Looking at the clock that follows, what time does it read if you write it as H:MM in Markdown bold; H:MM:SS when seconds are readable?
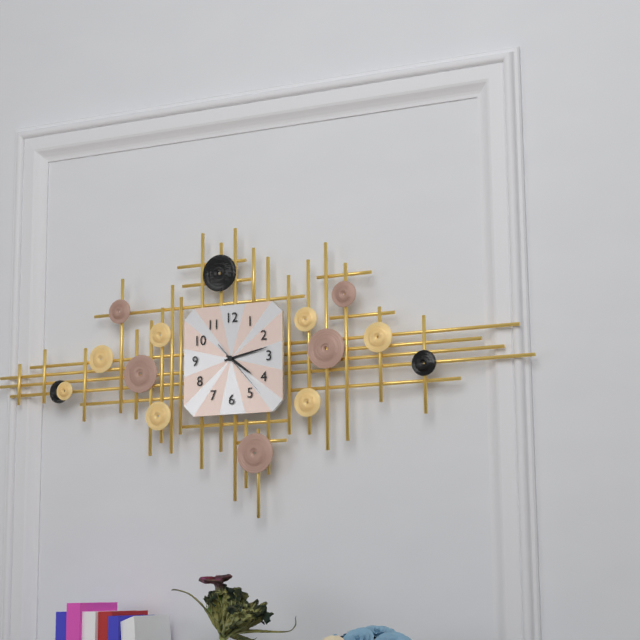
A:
**4:13:23**
